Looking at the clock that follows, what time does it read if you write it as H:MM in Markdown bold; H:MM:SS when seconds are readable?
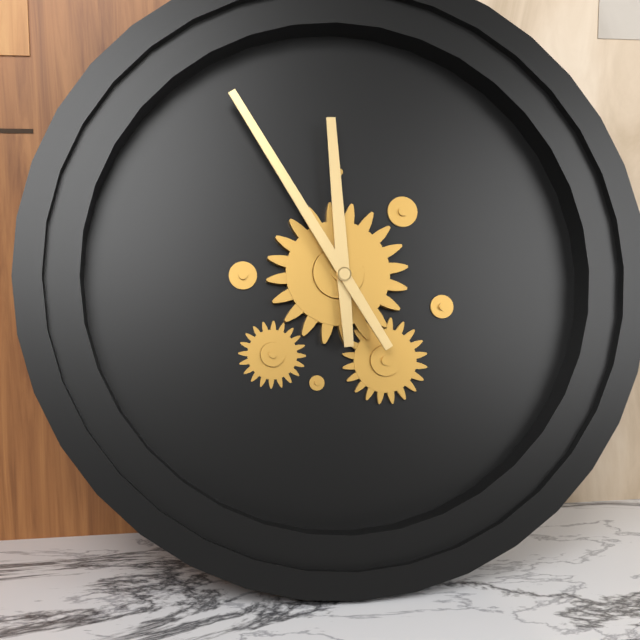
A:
**11:55**
